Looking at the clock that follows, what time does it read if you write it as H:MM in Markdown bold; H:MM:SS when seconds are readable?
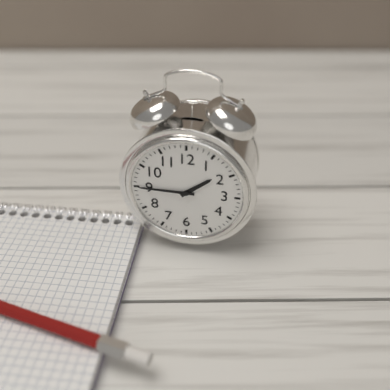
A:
**1:45**
